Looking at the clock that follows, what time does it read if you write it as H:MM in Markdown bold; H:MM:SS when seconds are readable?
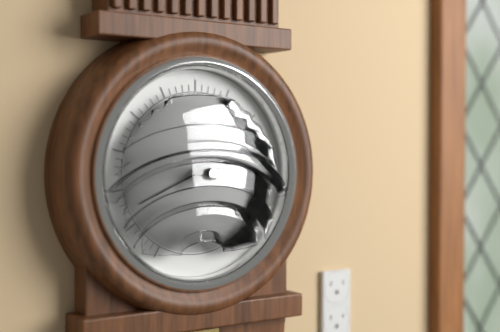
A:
**2:41**
